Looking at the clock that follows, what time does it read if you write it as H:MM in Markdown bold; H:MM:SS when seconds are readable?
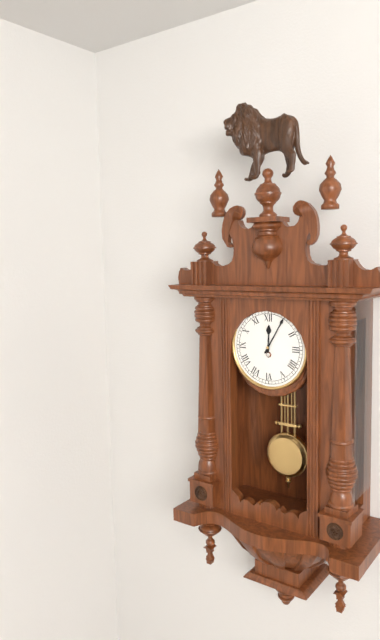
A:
**12:05**
